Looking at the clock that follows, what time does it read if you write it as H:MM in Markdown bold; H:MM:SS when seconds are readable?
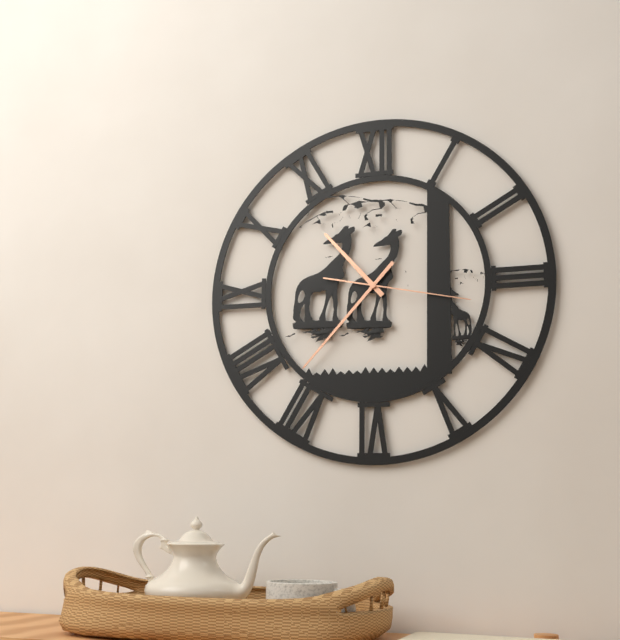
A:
**10:37:17**
